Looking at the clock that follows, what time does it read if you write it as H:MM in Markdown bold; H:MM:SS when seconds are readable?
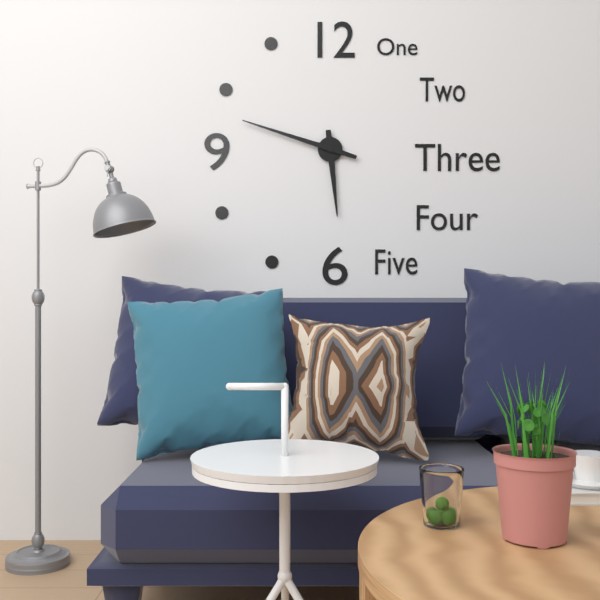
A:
**5:48**
